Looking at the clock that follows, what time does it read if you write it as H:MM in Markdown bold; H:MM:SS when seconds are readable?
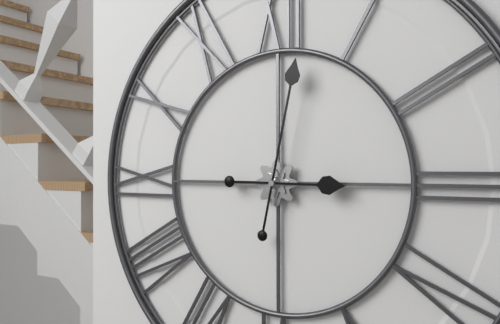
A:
**3:02**
